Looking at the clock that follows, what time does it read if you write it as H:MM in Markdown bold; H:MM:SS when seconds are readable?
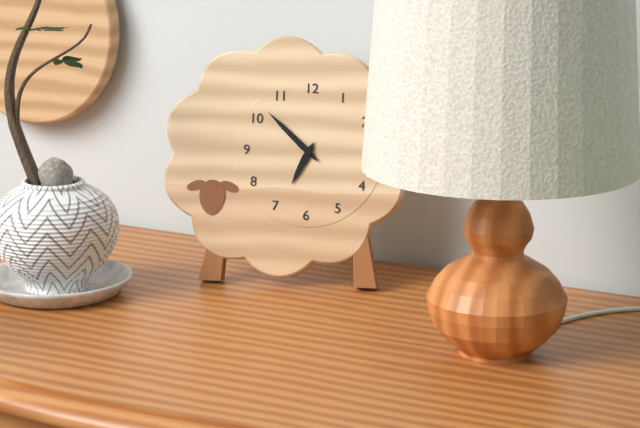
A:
**6:52**
